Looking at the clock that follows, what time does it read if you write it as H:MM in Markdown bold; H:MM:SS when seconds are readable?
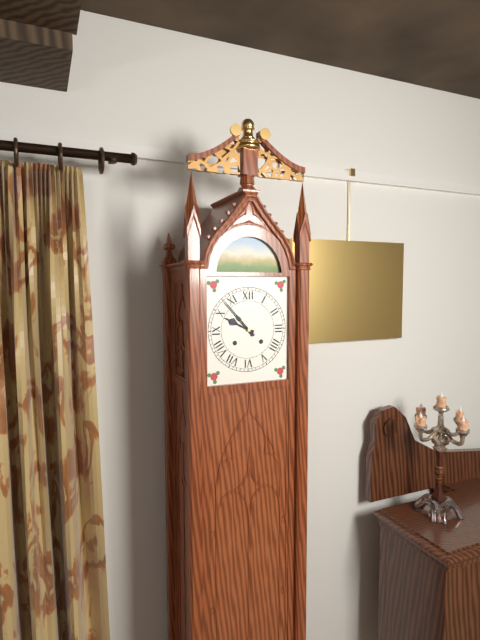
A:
**9:53**
